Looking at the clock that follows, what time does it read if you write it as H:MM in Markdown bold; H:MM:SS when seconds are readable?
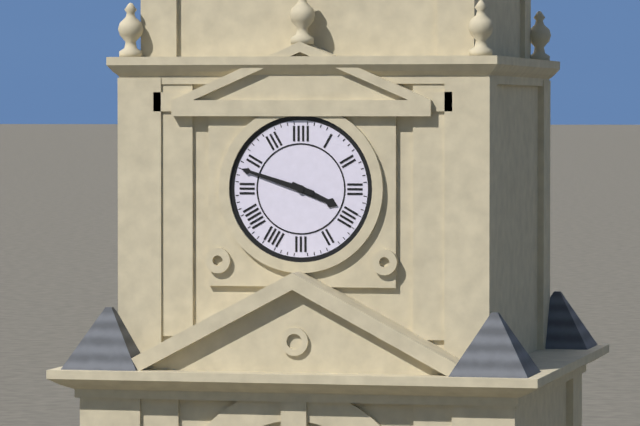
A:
**3:48**
